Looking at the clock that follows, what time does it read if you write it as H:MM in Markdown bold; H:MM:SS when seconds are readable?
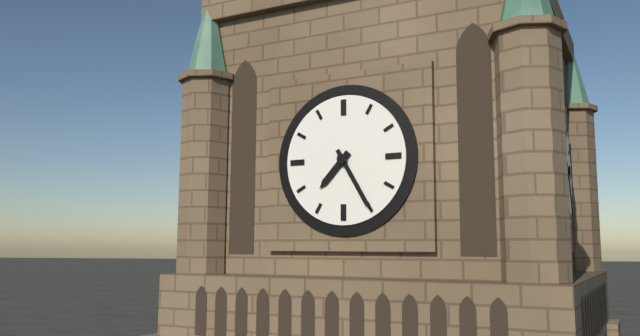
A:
**7:25**
